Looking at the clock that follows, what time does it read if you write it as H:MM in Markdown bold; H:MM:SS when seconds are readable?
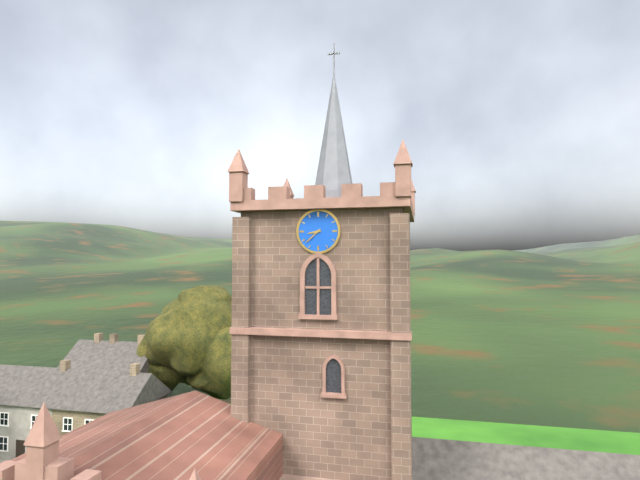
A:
**8:38**
